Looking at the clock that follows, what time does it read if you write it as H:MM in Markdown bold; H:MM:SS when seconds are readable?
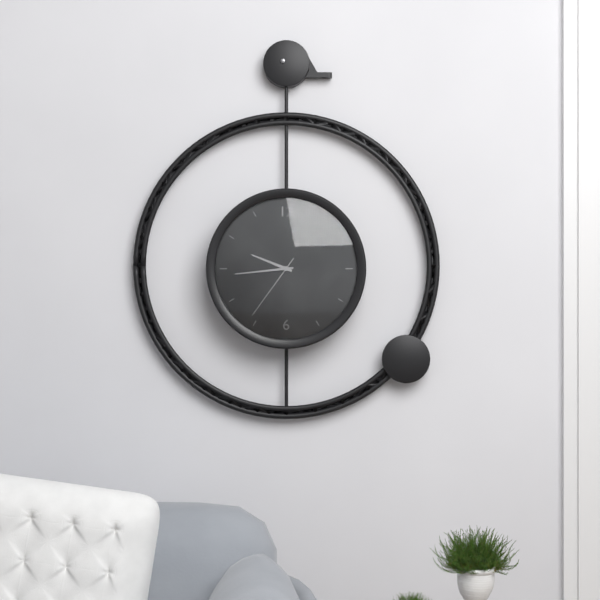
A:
**9:44:36**
